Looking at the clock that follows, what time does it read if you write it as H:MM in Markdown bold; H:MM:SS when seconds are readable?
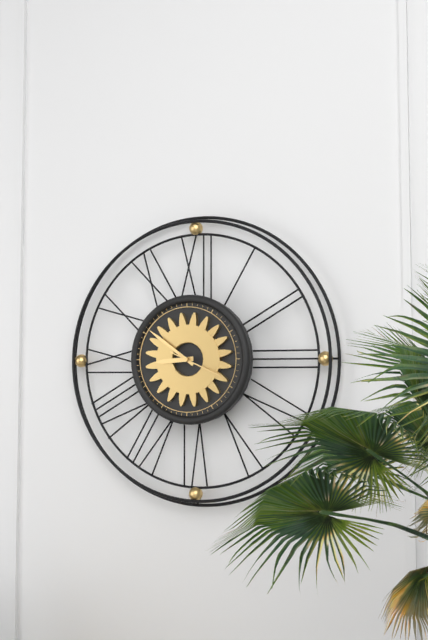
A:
**8:51:19**
